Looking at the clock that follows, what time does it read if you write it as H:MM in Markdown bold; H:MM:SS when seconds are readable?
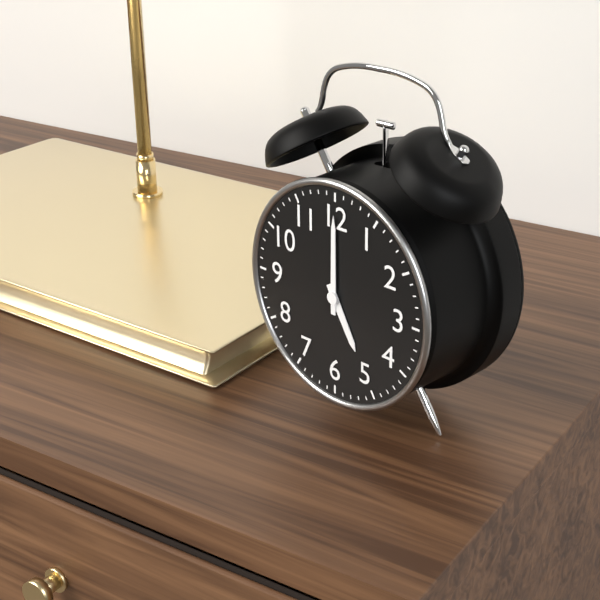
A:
**5:00**
